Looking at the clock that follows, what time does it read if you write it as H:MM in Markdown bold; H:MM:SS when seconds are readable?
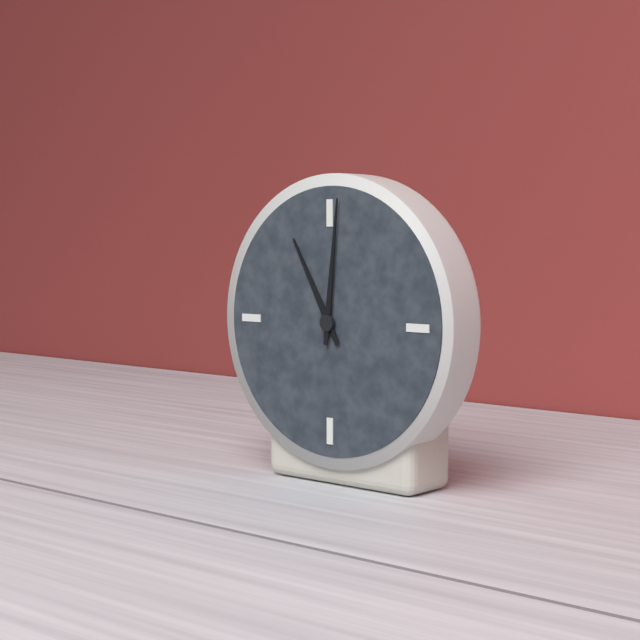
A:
**11:01**
